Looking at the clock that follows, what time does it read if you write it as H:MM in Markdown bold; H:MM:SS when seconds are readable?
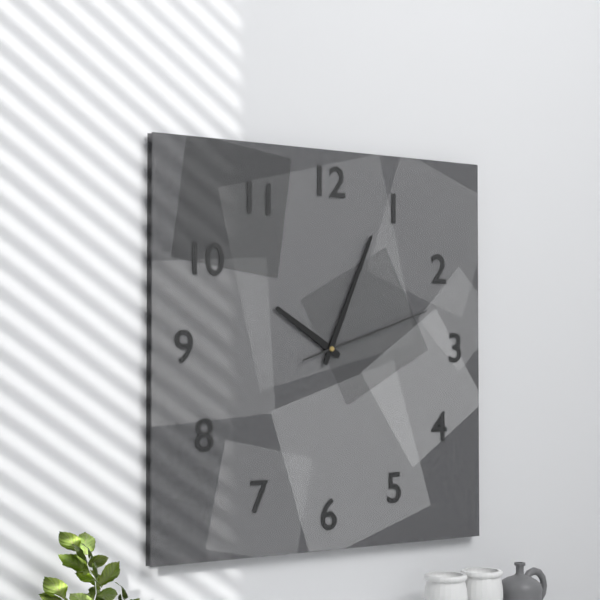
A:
**10:04:12**
